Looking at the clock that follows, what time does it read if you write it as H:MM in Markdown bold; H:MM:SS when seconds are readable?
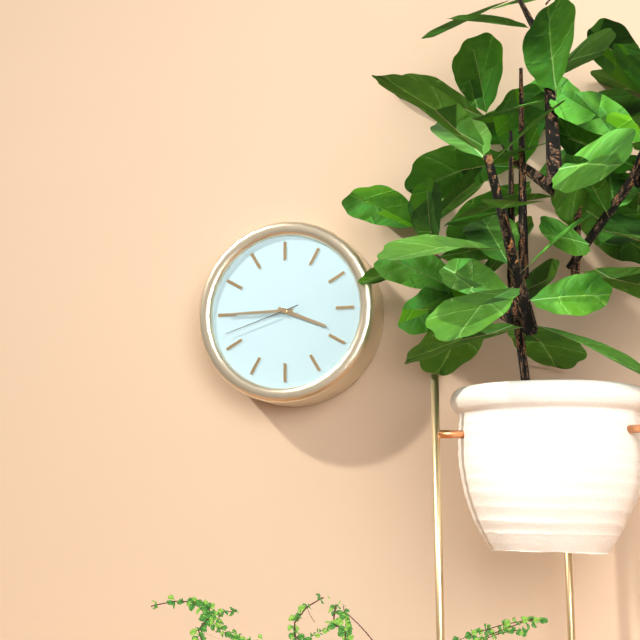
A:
**3:45:42**
